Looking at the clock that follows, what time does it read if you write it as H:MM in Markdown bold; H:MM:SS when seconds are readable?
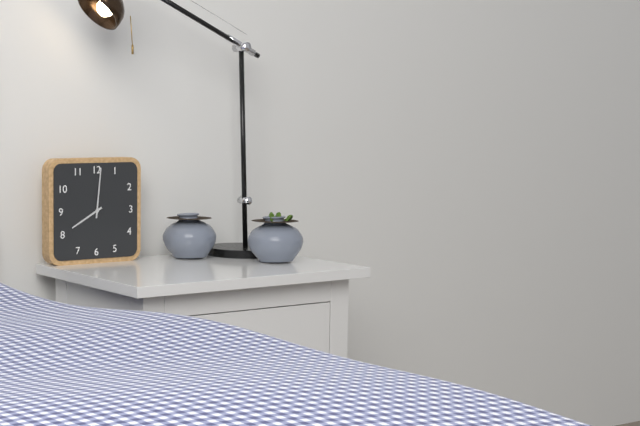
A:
**8:01**
